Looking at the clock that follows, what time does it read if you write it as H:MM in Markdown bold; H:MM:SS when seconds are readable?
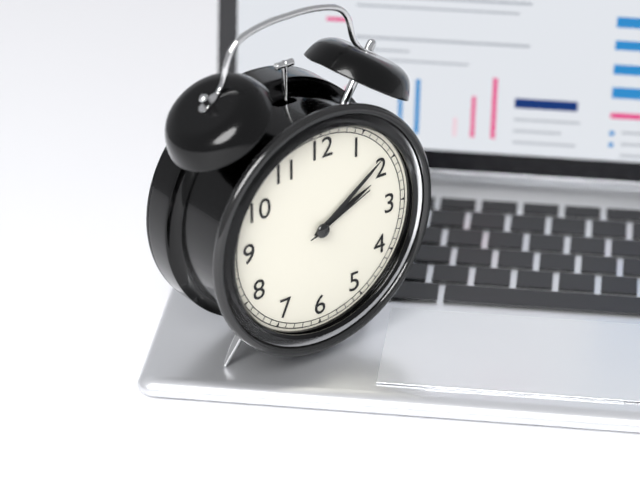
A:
**2:09:11**
